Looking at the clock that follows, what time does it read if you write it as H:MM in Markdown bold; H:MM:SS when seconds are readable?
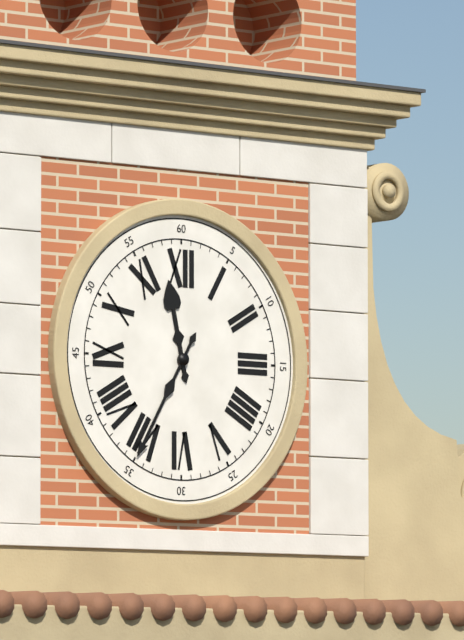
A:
**11:35**
